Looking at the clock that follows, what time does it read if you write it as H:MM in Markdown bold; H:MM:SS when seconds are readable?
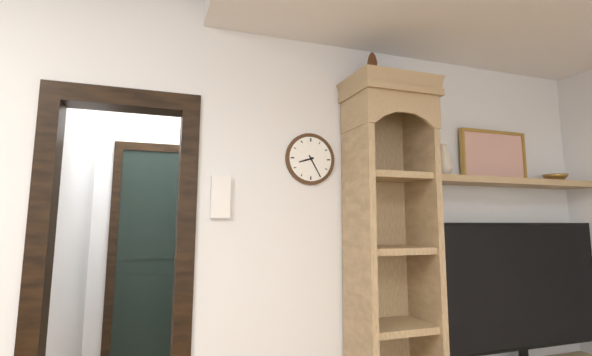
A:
**8:25**
